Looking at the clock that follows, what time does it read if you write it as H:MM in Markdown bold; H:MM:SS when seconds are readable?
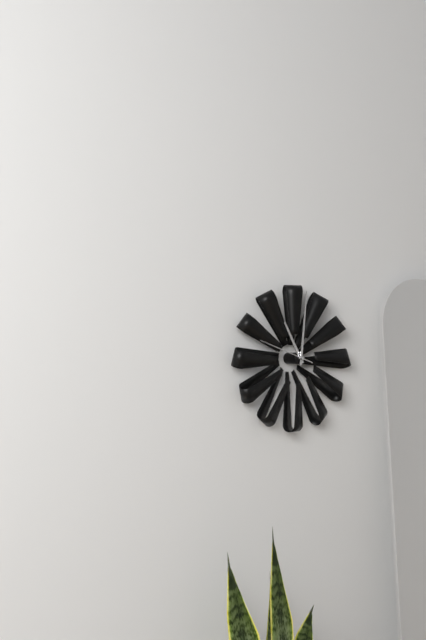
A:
**11:01:48**
